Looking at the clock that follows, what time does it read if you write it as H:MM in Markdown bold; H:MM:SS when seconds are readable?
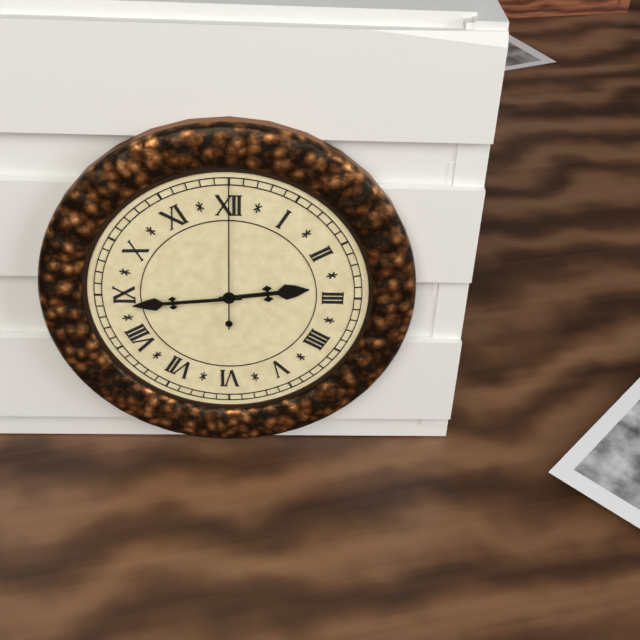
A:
**2:44:00**
